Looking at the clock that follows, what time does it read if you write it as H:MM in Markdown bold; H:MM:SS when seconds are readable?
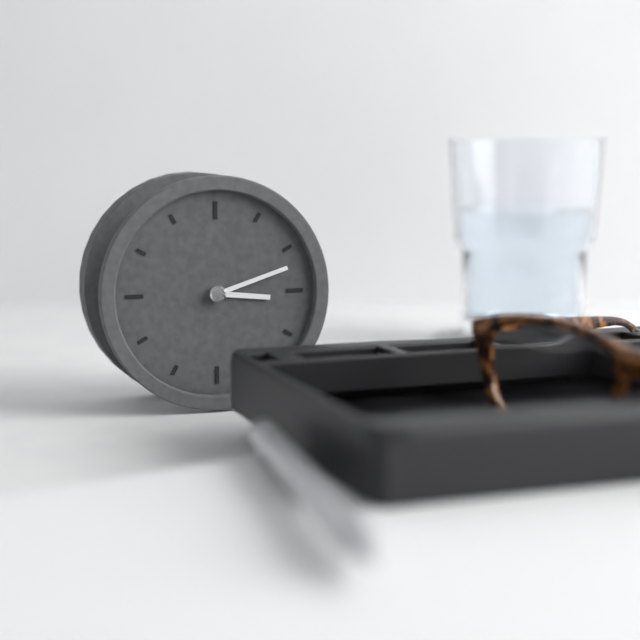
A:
**3:12**
